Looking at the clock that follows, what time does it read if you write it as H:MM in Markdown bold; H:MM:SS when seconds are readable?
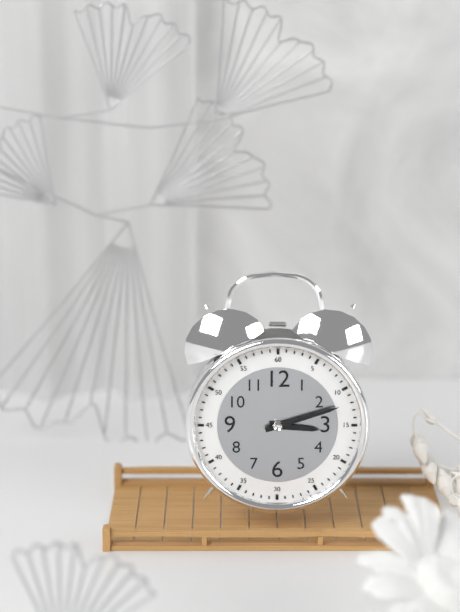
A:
**3:12**
